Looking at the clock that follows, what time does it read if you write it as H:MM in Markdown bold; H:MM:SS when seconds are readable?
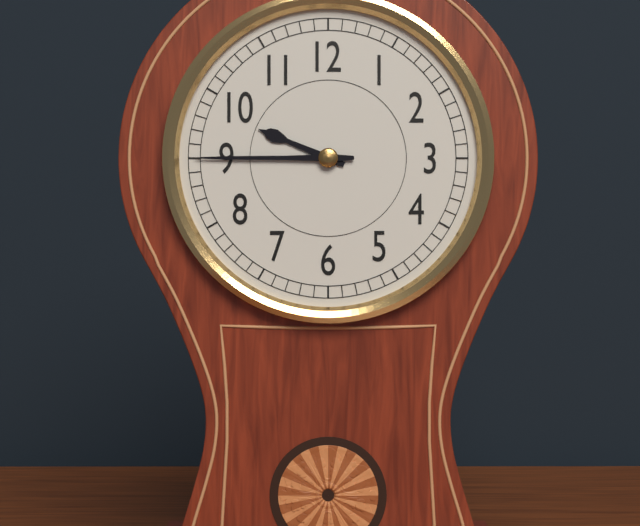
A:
**9:45**
